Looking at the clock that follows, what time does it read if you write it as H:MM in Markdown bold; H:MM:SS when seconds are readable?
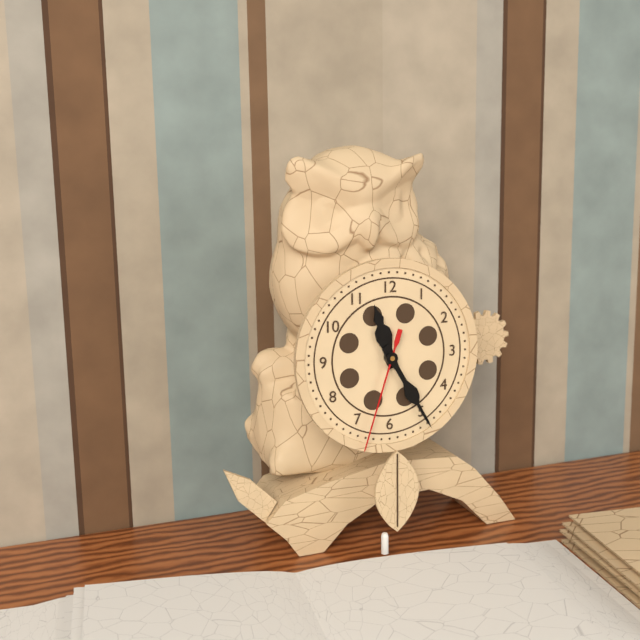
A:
**11:25:33**
